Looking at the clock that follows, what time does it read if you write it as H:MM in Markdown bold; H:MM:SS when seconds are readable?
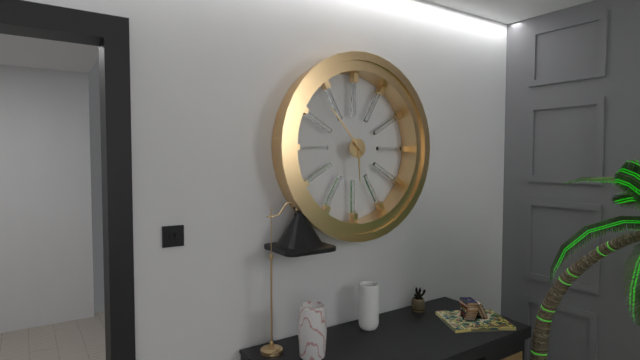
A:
**5:53**
